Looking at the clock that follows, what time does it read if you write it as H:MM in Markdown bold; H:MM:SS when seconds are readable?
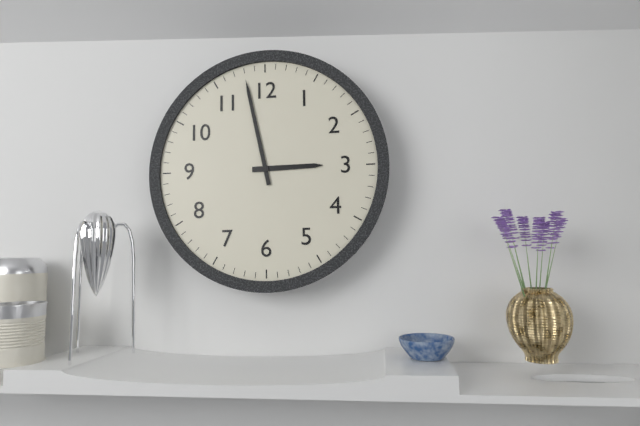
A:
**2:58**
